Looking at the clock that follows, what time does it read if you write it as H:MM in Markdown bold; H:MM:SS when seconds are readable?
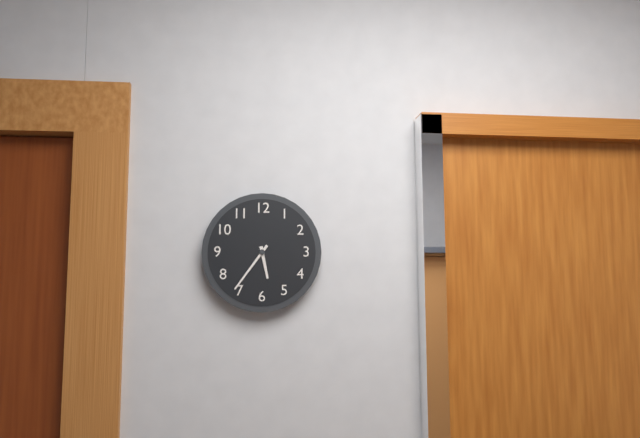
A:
**5:36**
